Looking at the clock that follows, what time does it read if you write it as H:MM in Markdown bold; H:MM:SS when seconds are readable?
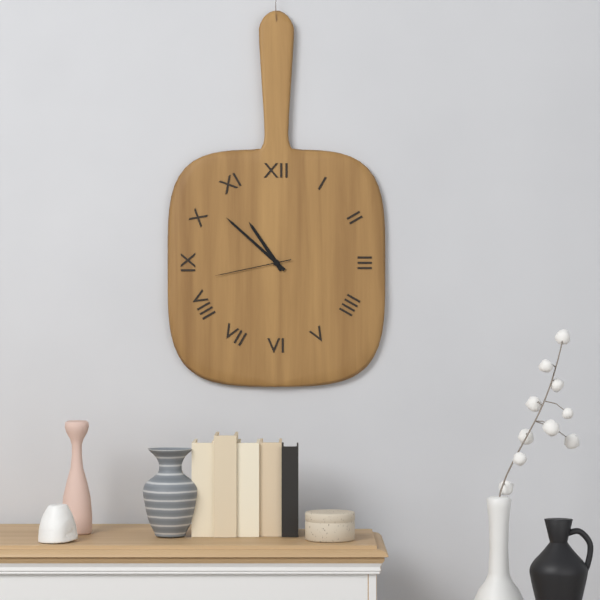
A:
**10:52:43**
